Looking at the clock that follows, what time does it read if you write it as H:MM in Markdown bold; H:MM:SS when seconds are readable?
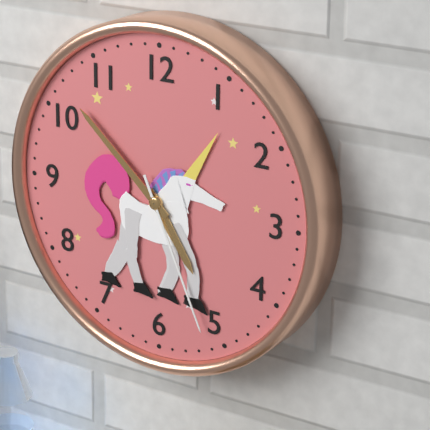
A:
**4:52:26**
